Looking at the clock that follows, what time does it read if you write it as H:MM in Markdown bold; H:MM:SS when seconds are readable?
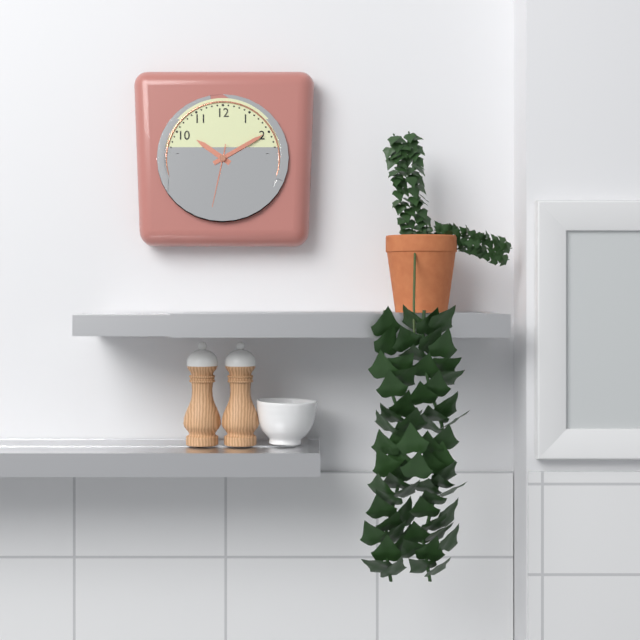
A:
**10:10:32**
